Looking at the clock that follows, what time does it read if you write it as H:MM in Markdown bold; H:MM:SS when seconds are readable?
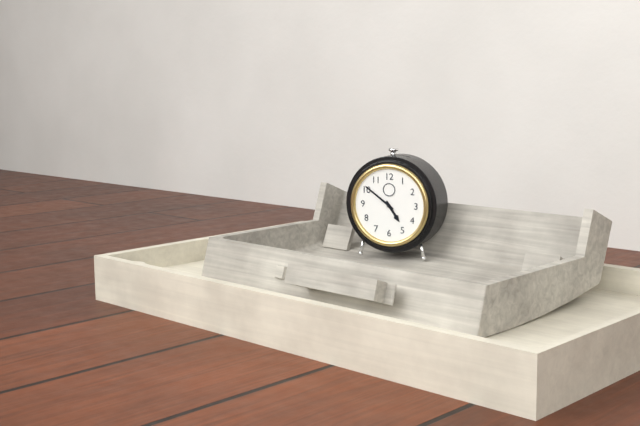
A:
**4:51**
